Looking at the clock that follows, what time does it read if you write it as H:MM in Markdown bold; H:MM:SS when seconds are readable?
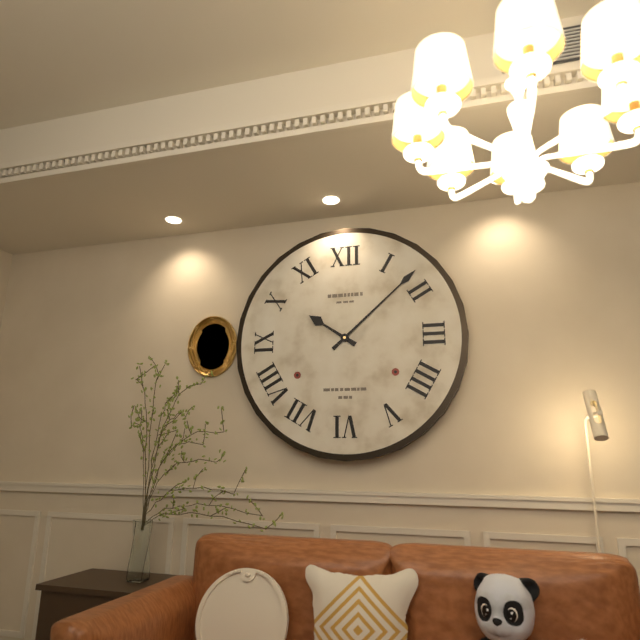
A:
**10:08**
